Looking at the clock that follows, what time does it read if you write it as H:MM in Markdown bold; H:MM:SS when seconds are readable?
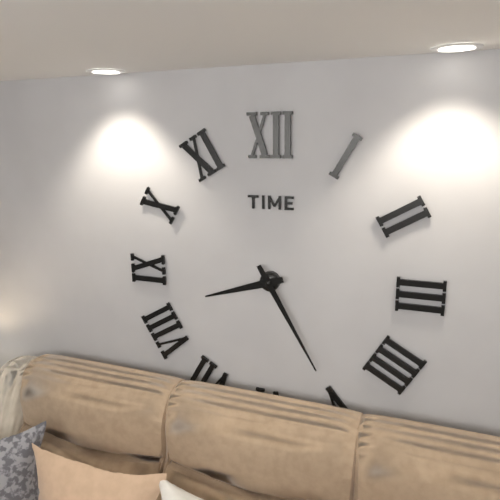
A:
**8:25**
